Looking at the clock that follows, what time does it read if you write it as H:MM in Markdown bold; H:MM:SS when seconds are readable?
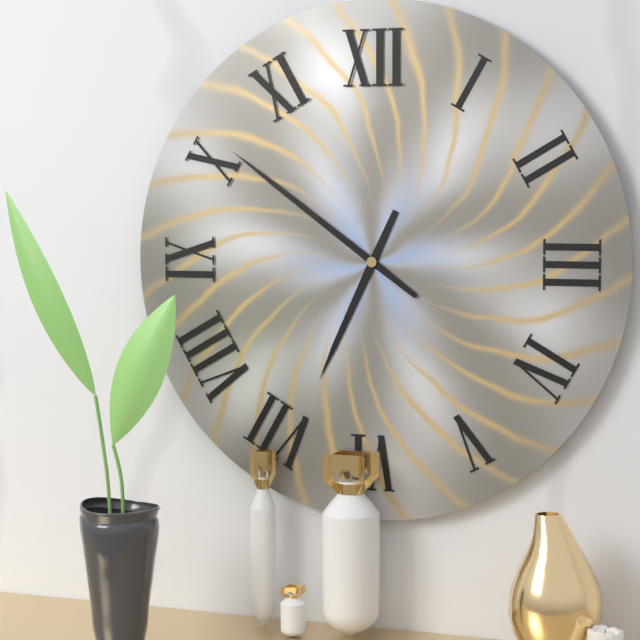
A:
**6:51**
